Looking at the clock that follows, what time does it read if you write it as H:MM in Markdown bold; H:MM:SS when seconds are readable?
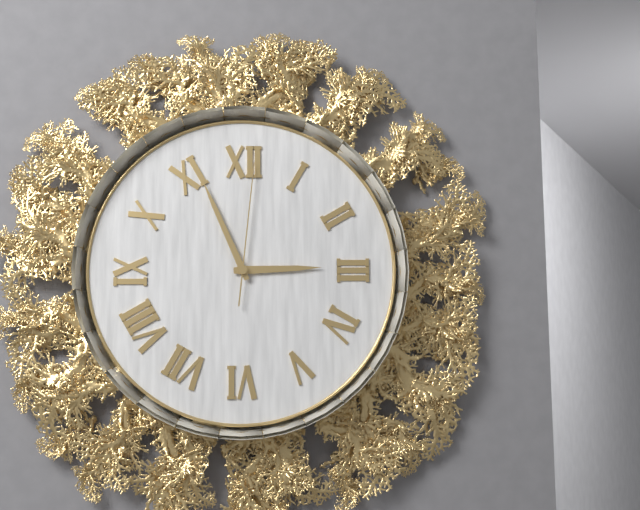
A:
**2:56:01**
